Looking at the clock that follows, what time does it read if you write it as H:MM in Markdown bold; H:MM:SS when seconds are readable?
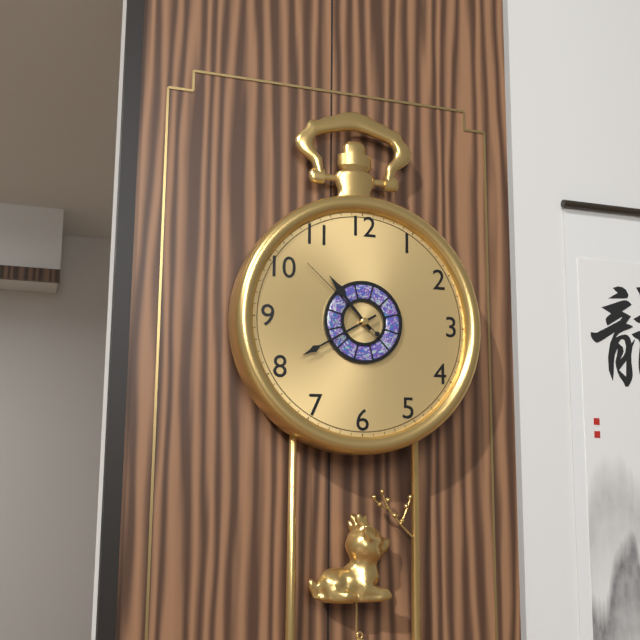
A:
**10:40:52**
